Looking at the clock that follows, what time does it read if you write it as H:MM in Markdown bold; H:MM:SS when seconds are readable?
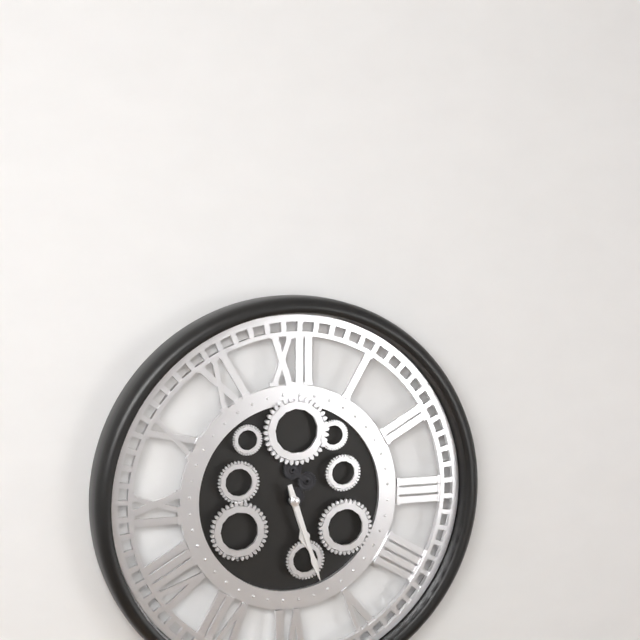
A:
**5:27**
